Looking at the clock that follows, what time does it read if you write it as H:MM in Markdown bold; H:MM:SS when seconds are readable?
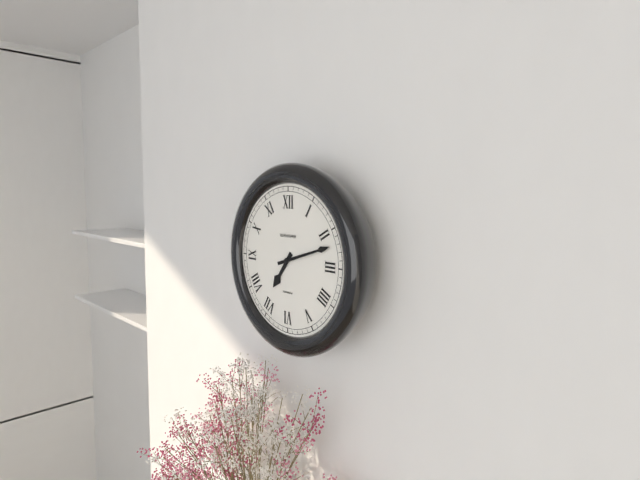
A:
**7:12**
